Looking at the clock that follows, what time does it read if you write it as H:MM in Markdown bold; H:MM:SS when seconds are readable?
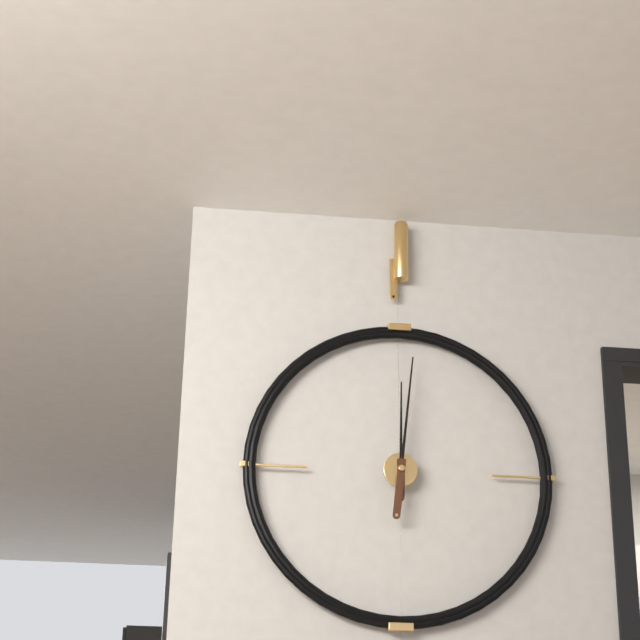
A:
**12:01**
